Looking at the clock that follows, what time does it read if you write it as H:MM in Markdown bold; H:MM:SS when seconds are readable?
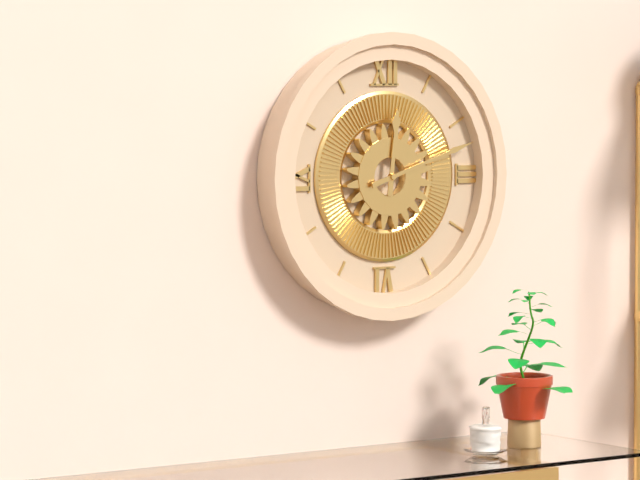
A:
**12:12**
